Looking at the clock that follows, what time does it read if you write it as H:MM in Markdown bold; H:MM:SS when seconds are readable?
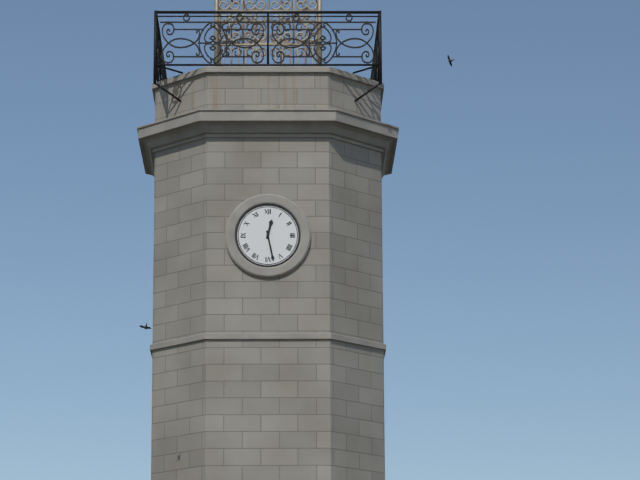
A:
**12:28**
